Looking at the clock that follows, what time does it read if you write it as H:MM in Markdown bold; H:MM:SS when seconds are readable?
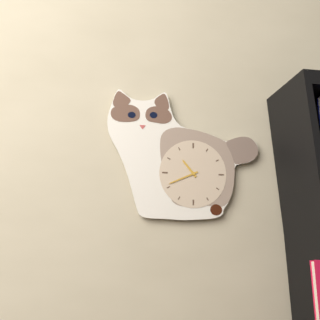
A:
**10:41**
